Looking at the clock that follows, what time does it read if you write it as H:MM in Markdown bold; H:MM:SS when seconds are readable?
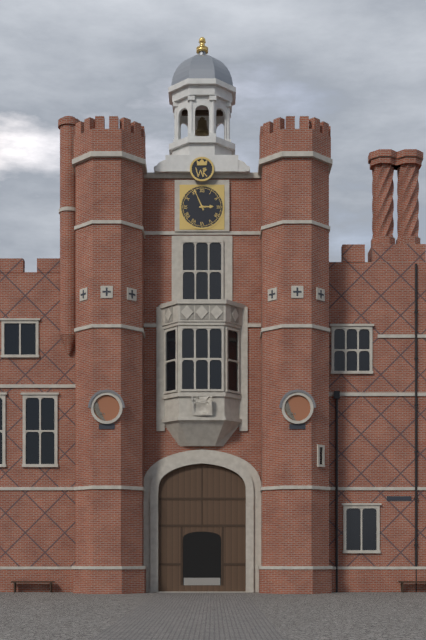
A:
**2:56**
